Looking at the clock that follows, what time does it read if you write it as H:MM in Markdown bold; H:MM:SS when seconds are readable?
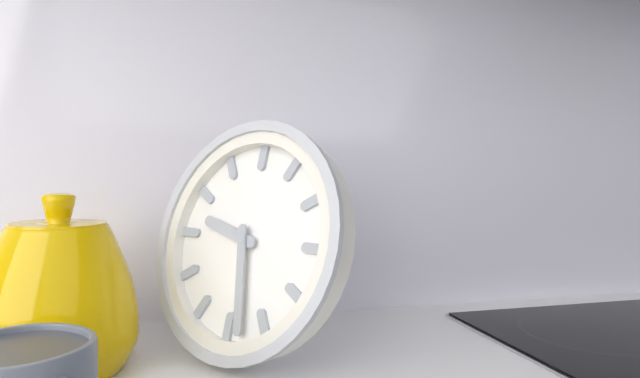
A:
**9:28**
